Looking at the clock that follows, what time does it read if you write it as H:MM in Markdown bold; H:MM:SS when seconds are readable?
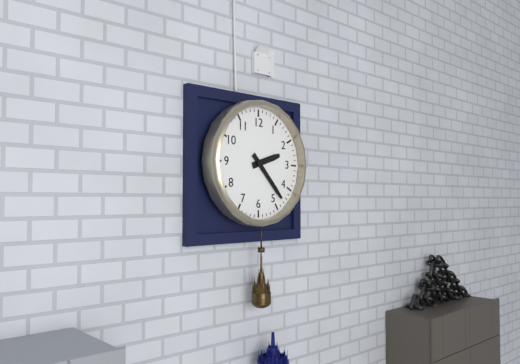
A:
**2:23**
